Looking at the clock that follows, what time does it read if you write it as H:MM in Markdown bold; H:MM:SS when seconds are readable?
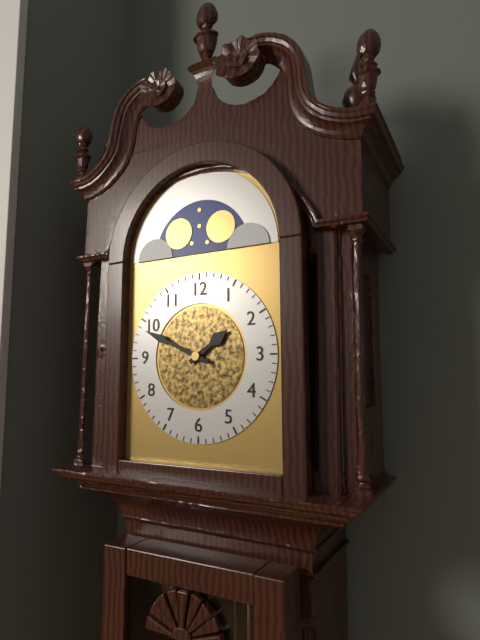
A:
**1:49**
